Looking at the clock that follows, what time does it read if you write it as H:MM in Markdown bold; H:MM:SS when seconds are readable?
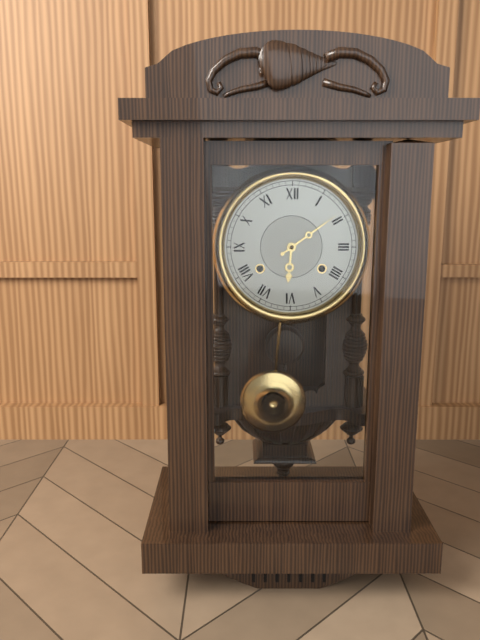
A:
**6:09**
